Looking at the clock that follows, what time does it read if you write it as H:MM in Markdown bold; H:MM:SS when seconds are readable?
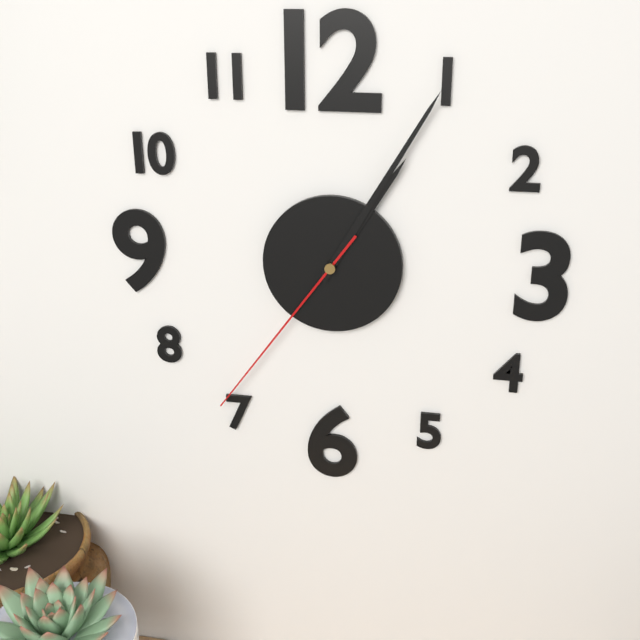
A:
**1:05:36**
